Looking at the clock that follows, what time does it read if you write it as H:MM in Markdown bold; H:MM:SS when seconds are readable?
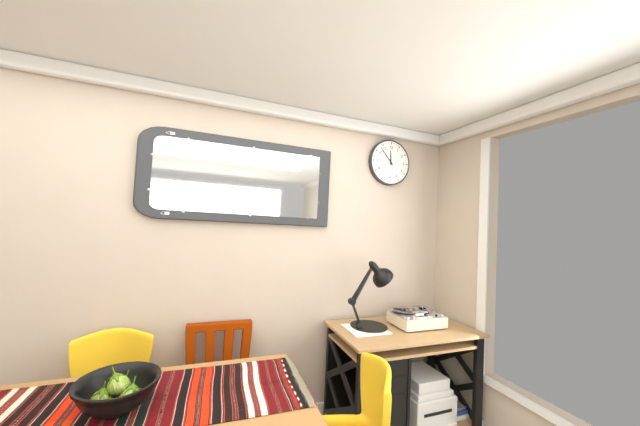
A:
**11:53**
